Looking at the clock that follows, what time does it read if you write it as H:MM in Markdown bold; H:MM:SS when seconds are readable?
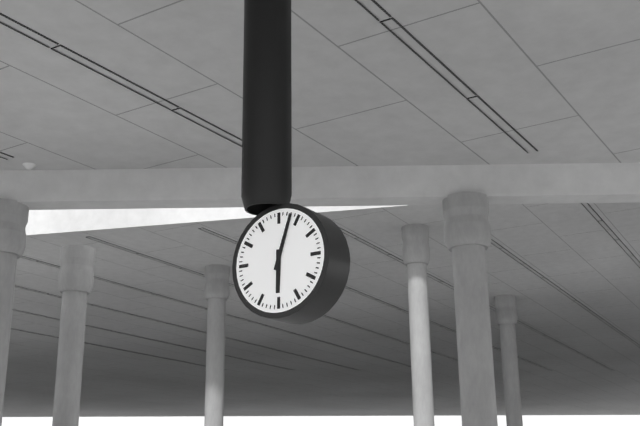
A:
**6:03**
